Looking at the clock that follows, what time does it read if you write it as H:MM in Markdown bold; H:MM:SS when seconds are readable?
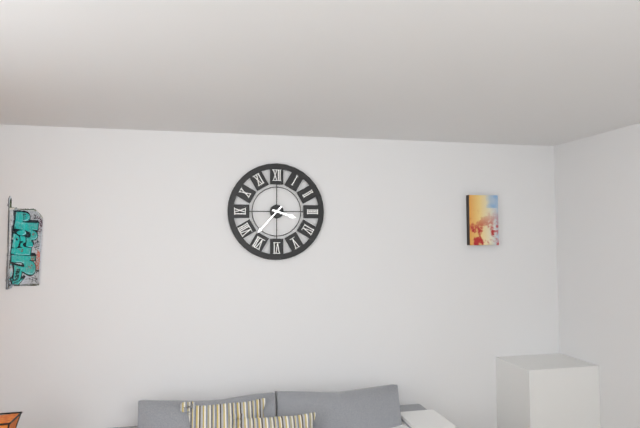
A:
**3:37**
